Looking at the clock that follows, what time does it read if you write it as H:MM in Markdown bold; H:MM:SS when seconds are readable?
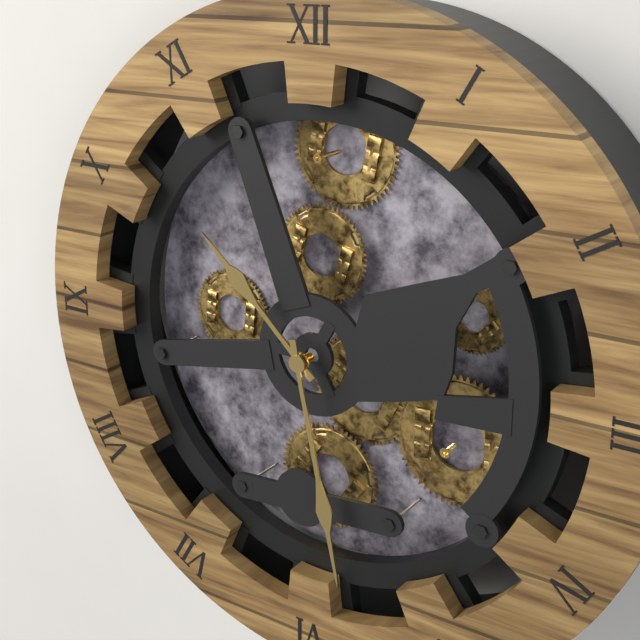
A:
**10:28**
